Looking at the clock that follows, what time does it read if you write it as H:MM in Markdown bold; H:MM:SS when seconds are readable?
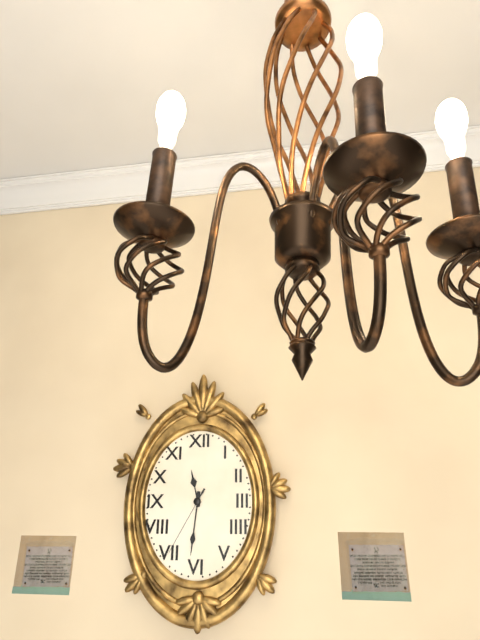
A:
**11:31:35**
